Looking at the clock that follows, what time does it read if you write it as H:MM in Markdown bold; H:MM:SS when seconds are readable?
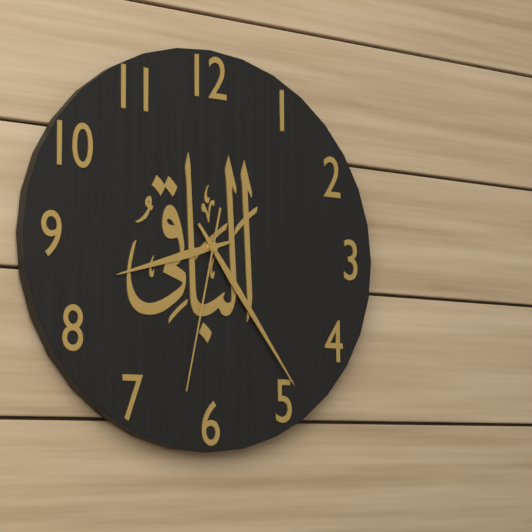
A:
**8:24:32**
